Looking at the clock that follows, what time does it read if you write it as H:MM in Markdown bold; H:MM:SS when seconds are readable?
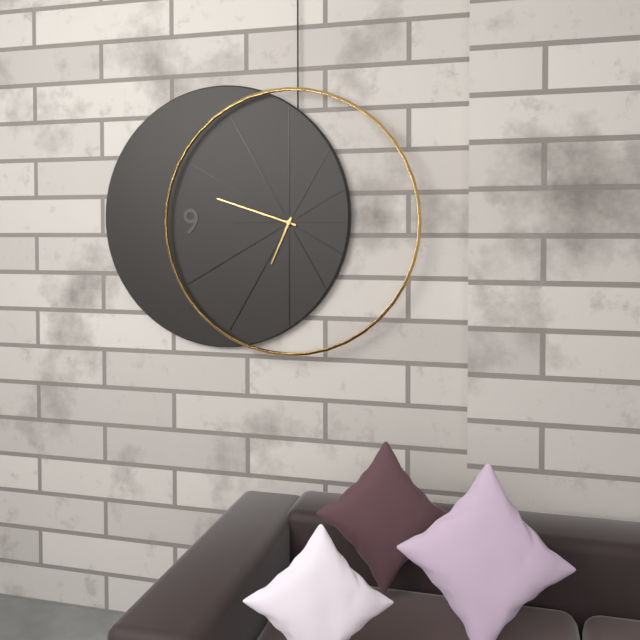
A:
**6:48**
